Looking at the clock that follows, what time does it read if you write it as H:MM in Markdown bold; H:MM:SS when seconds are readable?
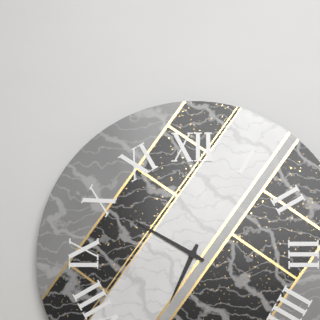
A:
**6:50**
